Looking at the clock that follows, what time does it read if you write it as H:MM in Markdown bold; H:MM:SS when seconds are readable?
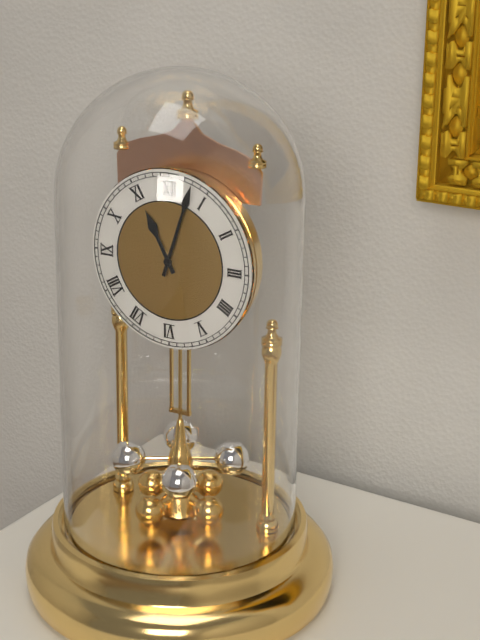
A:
**11:03**
